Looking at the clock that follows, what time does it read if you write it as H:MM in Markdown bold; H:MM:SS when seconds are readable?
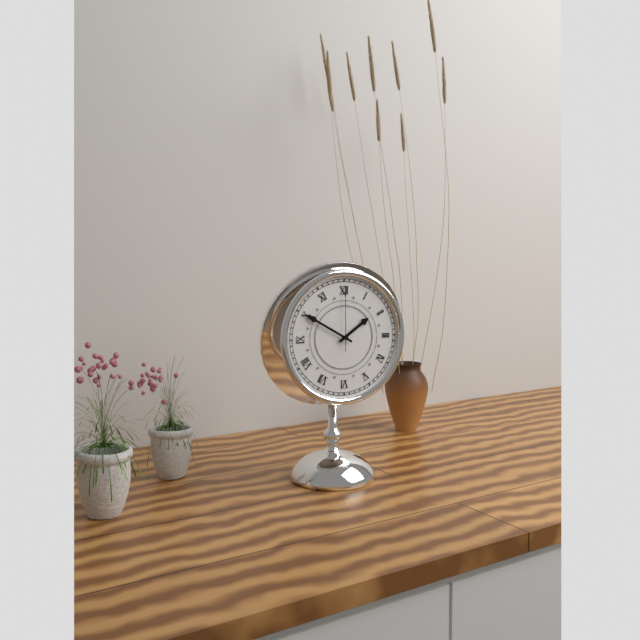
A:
**1:50:00**
